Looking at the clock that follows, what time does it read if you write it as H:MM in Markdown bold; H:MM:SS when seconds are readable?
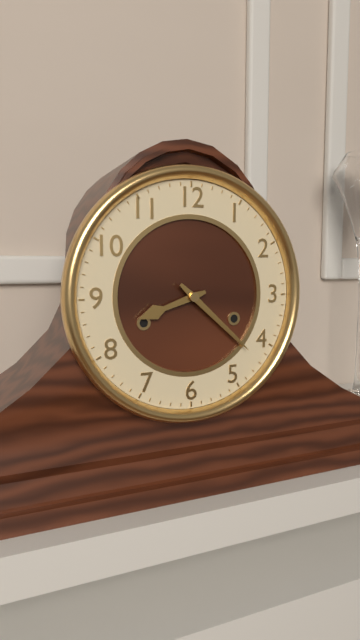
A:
**8:22**
